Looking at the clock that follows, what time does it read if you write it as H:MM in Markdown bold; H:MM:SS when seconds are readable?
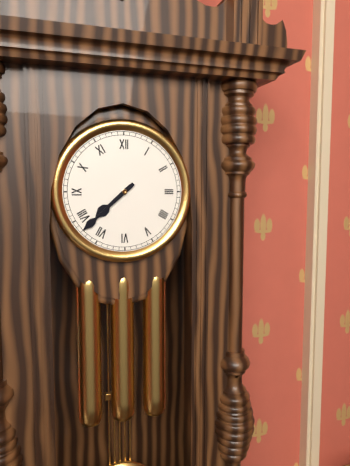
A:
**7:38**
